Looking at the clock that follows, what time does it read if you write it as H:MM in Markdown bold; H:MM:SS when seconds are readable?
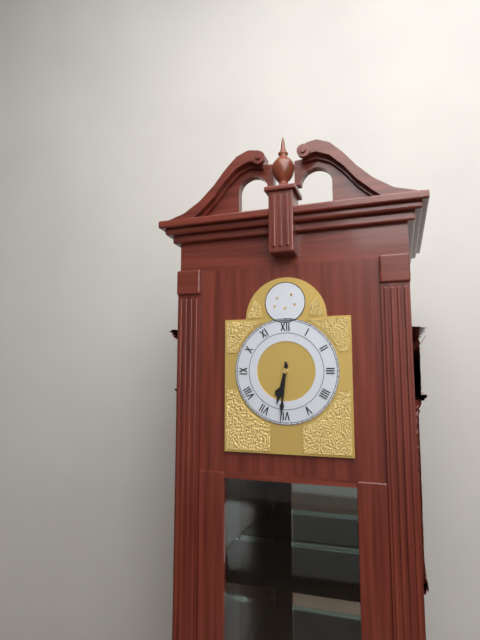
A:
**6:31**
